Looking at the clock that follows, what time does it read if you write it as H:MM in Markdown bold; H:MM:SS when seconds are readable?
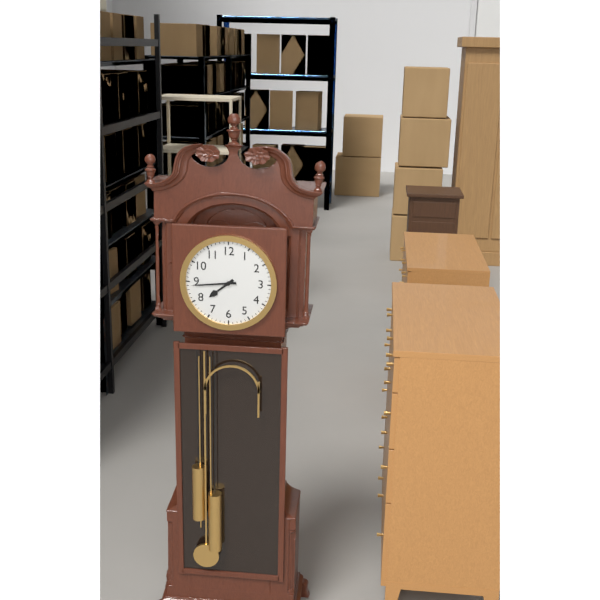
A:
**7:44**
